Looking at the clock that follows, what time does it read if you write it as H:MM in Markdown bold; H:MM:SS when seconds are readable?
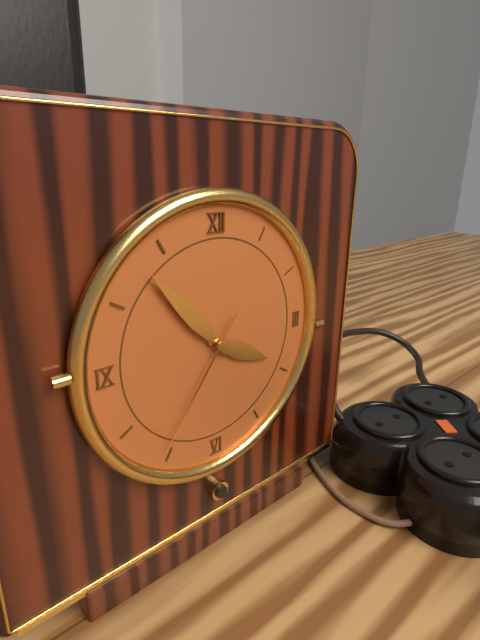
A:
**3:53:36**
